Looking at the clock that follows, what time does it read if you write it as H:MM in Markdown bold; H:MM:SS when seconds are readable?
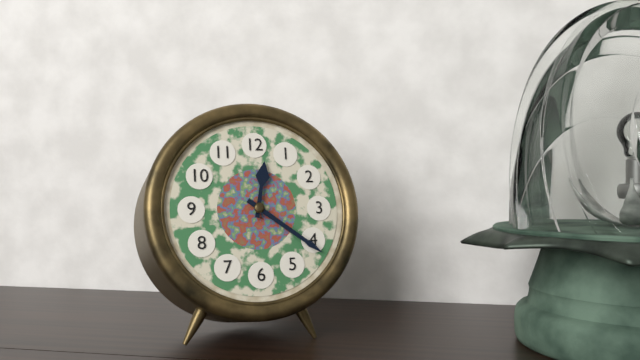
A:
**12:21**
